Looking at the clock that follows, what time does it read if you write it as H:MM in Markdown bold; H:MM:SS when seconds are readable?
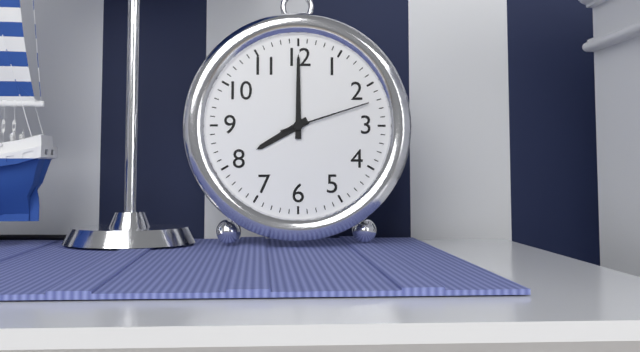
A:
**8:00:12**
